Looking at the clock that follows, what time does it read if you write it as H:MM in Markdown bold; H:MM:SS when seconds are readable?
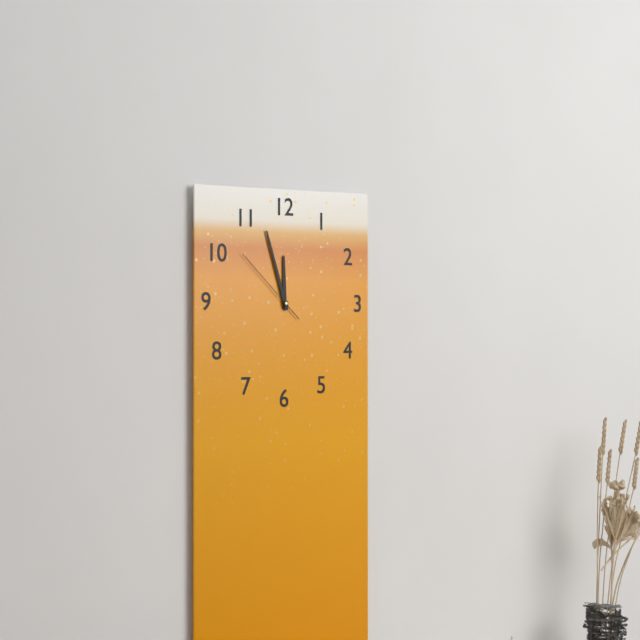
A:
**11:57:52**
